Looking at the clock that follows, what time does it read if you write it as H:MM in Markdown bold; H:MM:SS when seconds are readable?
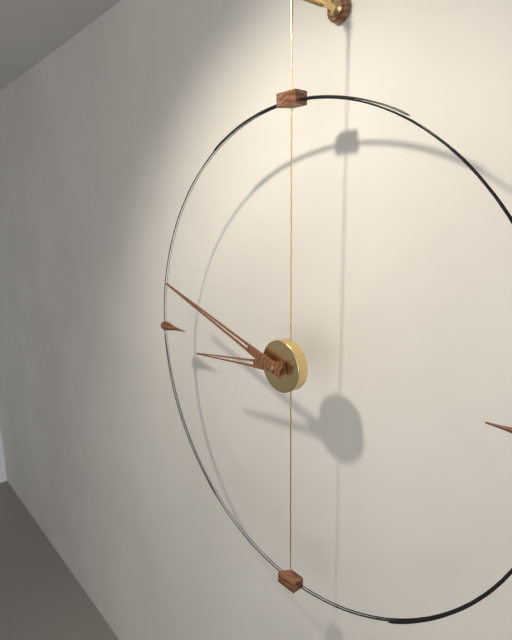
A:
**8:48**
